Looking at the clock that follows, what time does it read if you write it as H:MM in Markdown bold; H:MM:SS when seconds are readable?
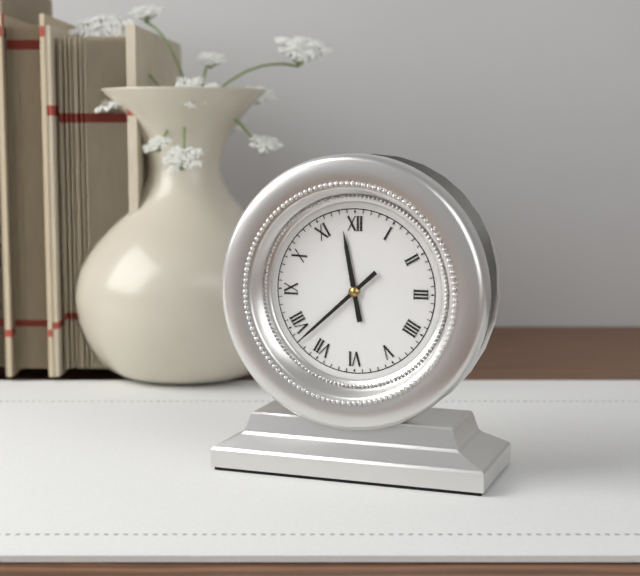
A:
**11:38**
